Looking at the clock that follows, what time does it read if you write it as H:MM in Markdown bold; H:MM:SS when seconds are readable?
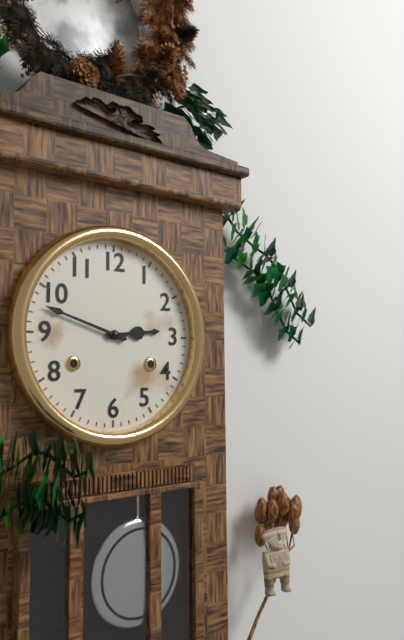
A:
**2:48**
